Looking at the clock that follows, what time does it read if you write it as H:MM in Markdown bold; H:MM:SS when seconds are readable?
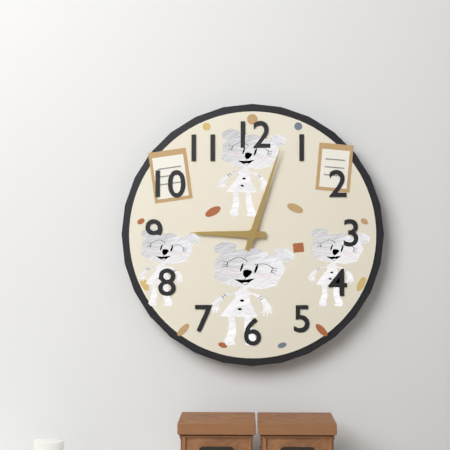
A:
**9:03**
